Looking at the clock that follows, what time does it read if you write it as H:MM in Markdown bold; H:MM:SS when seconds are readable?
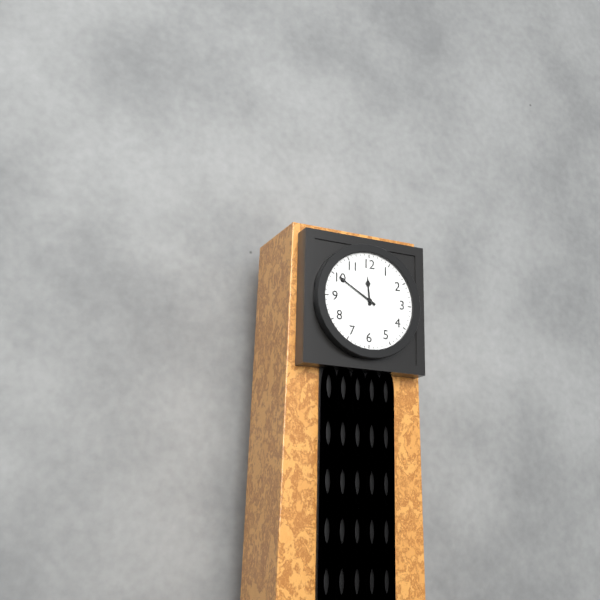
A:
**11:50**
